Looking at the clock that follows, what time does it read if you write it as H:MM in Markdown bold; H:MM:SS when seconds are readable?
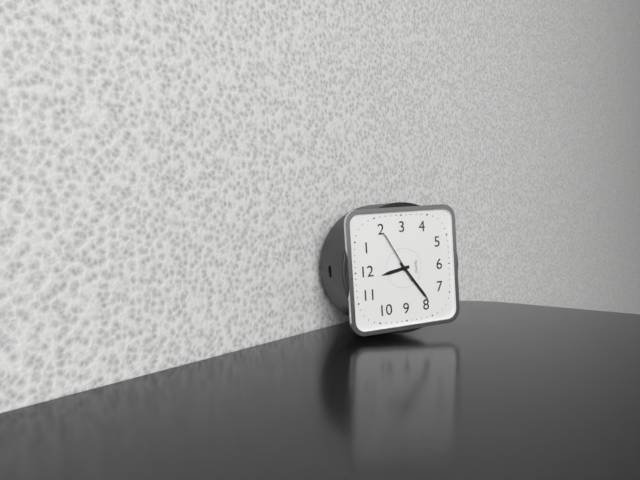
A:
**11:39**
